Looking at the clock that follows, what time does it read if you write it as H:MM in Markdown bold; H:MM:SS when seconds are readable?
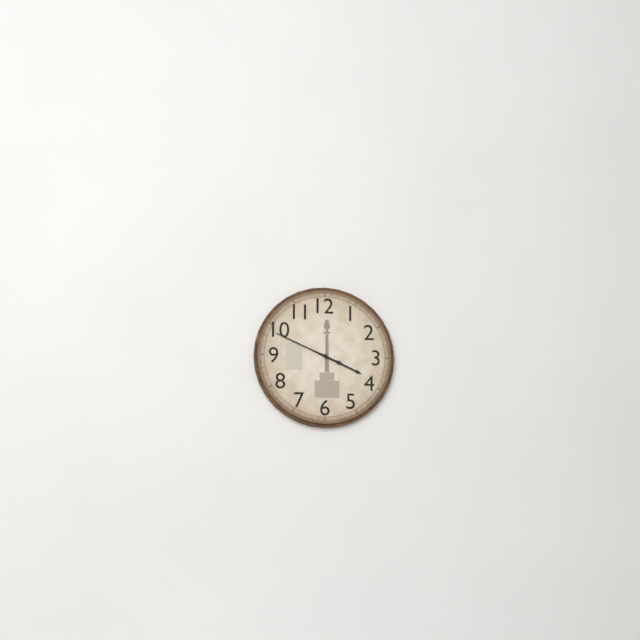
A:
**3:49**
